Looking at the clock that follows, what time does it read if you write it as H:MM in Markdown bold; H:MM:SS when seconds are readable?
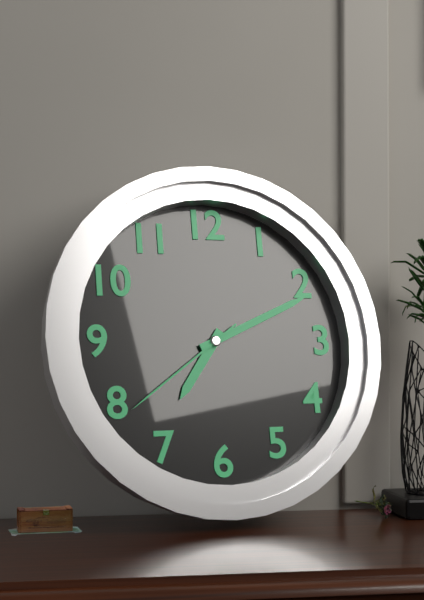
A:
**7:11:39**
